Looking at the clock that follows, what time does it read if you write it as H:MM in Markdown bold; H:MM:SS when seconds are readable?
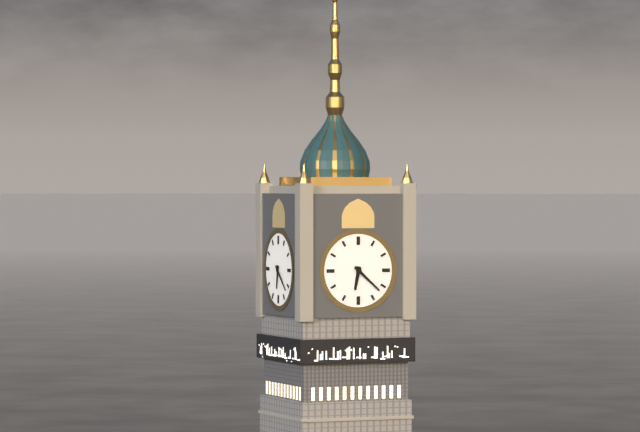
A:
**6:22**
